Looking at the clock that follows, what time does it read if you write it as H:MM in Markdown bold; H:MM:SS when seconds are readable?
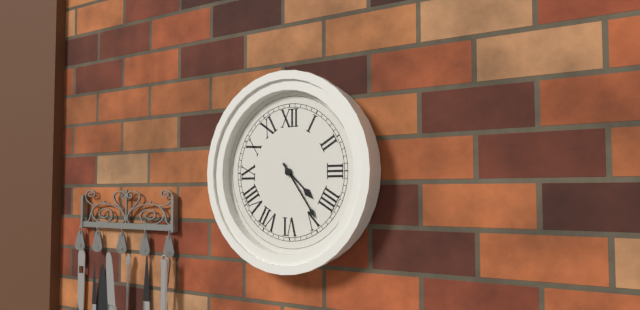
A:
**4:24**
